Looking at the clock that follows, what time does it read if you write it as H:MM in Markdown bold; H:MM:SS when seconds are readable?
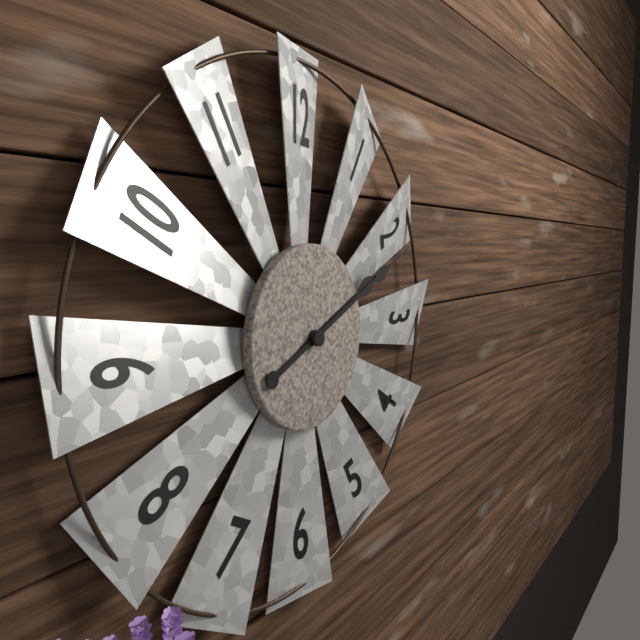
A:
**2:11**
